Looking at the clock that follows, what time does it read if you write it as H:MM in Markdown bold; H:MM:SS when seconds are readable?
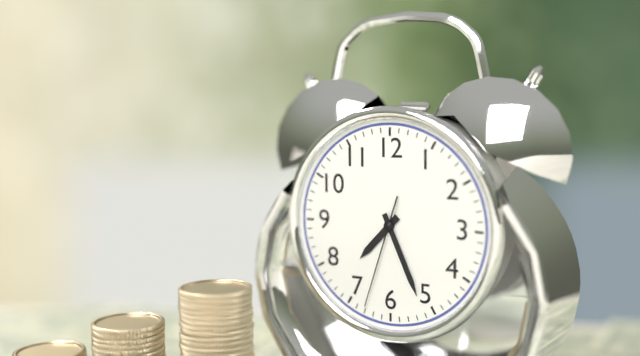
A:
**7:26:33**
